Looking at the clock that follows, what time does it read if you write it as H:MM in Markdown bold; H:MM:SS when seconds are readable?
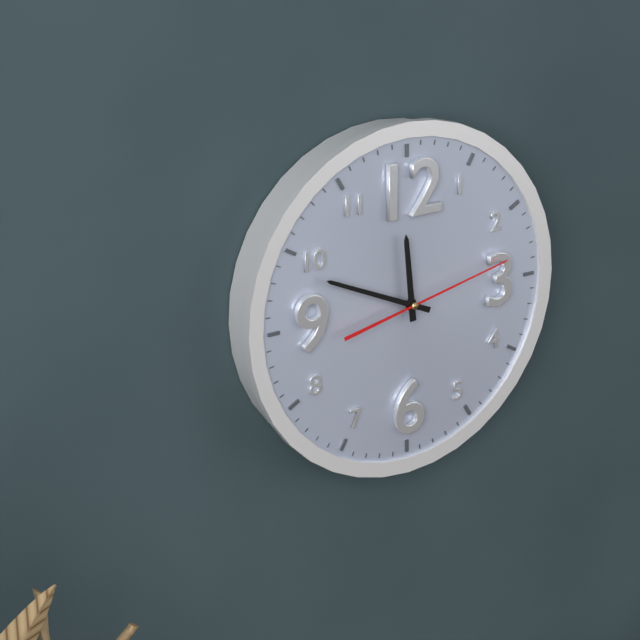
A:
**11:49:13**
